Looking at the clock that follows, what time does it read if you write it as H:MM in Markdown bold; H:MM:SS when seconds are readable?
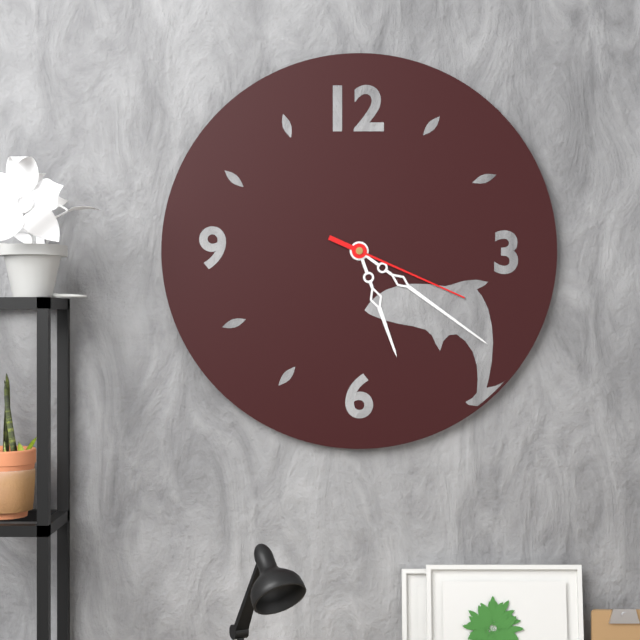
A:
**5:21:19**
